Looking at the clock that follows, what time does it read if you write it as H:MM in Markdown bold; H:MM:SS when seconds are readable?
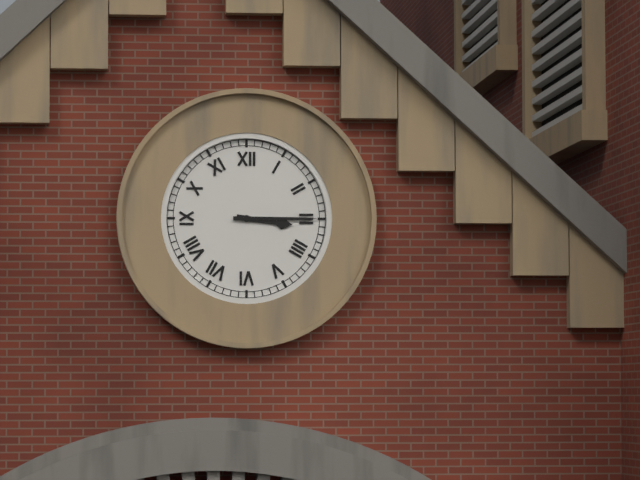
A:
**3:15**
